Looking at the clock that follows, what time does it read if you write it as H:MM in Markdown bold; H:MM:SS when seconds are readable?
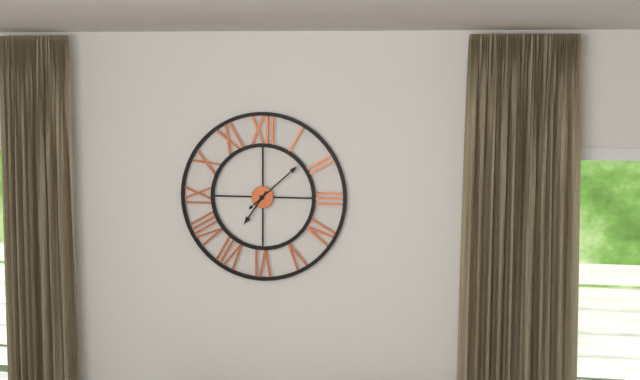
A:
**7:08**
